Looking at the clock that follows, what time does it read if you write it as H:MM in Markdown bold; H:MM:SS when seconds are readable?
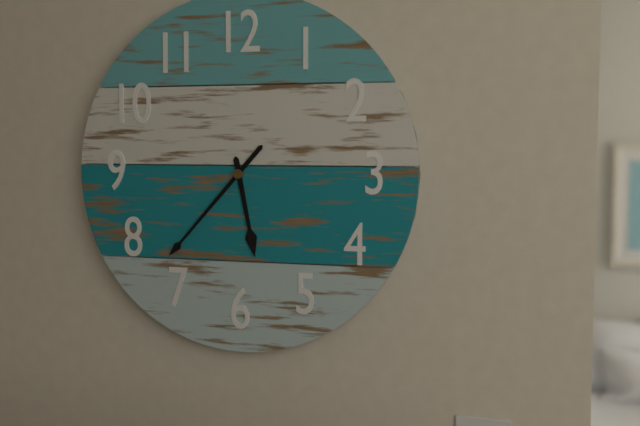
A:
**5:37**
